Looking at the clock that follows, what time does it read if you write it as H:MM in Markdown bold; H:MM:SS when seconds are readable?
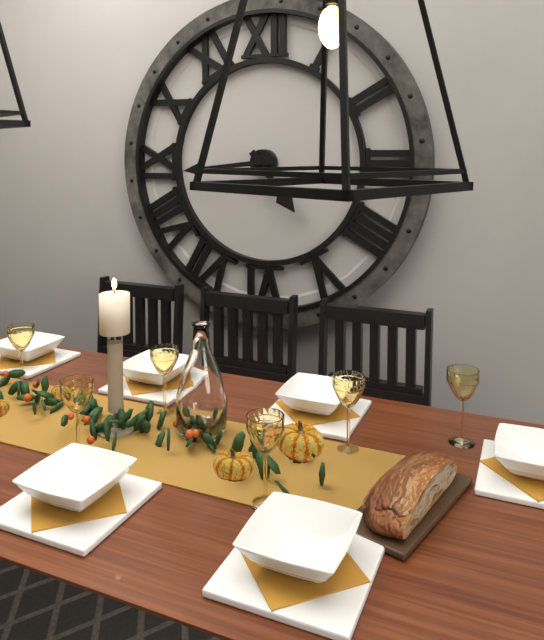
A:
**4:44**
